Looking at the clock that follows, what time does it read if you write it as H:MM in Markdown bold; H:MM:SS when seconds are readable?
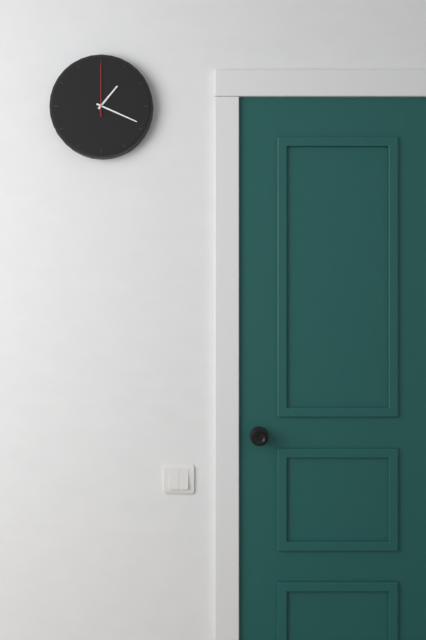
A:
**1:19:00**
